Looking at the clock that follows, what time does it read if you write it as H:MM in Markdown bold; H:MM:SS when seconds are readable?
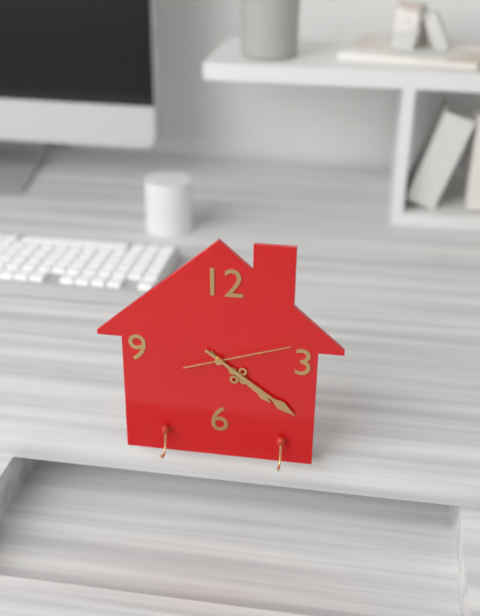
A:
**4:21:12**
